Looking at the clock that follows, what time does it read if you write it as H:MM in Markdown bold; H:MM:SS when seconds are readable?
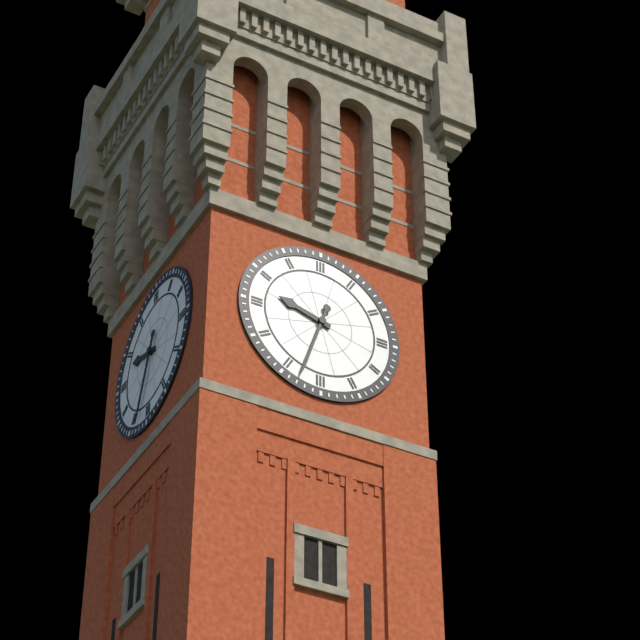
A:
**9:33**
